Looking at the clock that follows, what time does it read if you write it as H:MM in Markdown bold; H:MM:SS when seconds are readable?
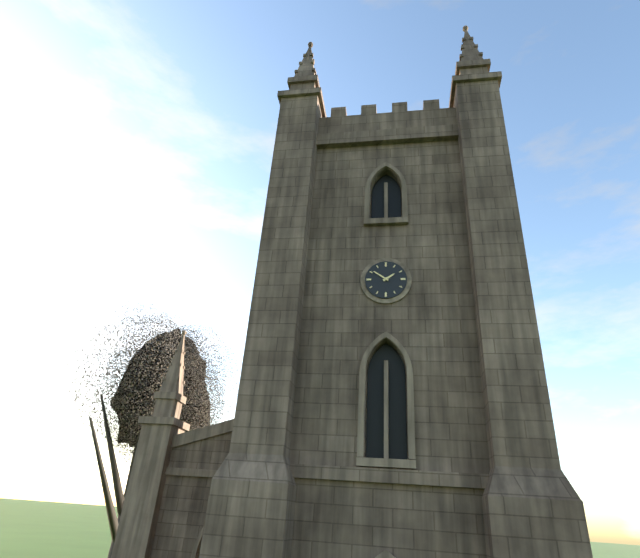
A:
**1:51**
